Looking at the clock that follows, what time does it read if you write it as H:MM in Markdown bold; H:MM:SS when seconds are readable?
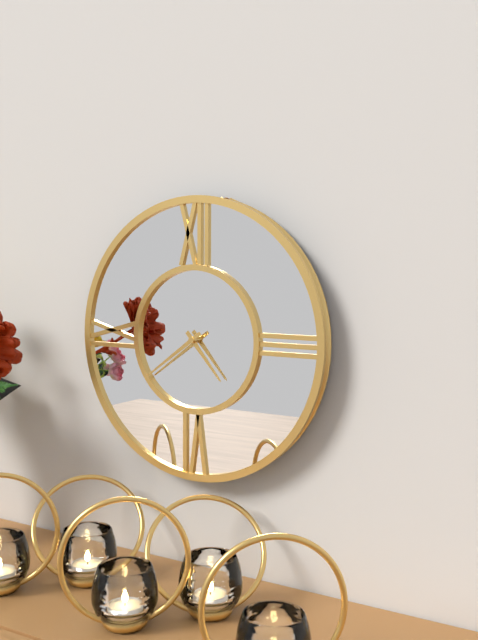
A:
**4:39**
